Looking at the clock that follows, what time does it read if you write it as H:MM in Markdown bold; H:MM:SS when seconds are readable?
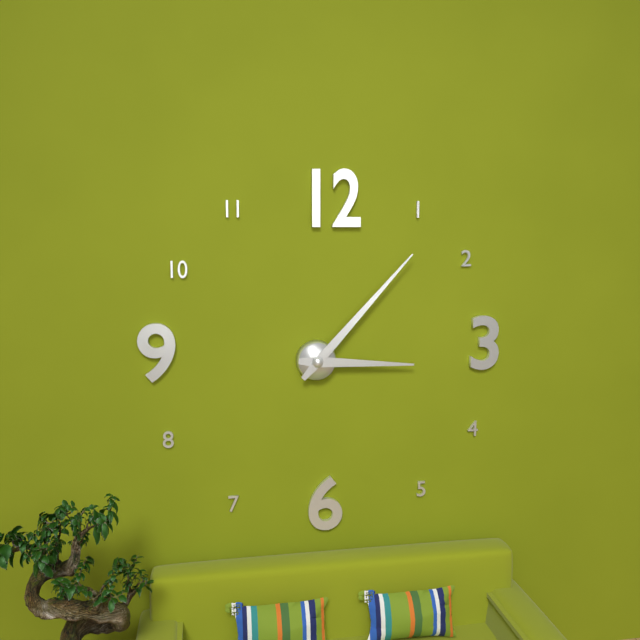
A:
**3:07**
